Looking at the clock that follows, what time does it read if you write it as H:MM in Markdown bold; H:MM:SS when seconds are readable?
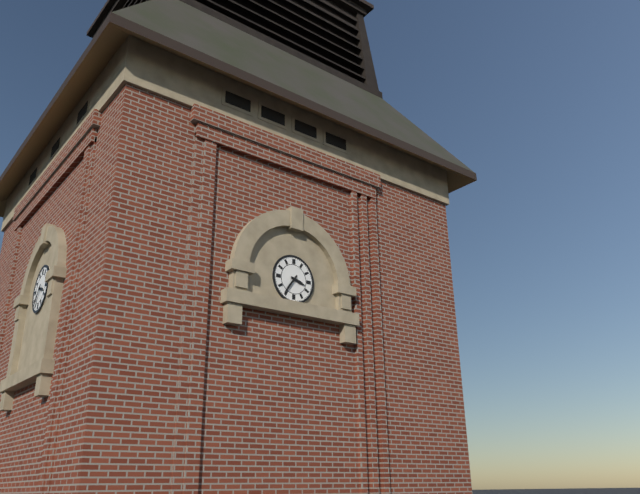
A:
**3:36**
